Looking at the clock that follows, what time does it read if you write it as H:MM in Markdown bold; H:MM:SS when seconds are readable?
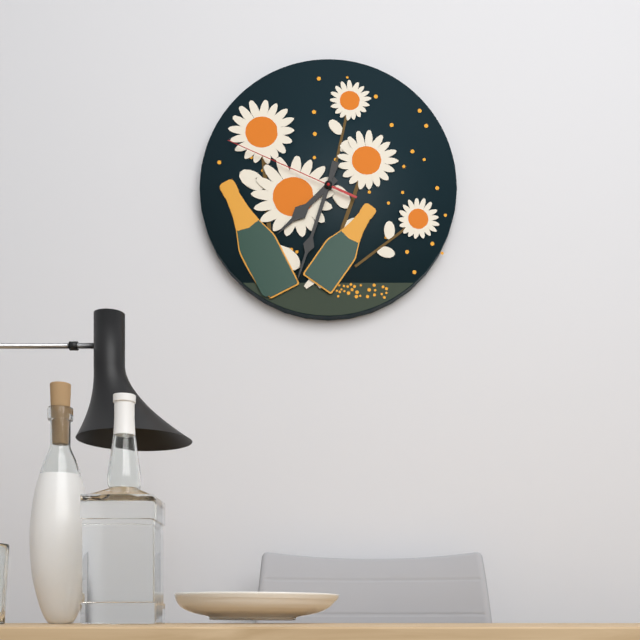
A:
**7:33:49**
